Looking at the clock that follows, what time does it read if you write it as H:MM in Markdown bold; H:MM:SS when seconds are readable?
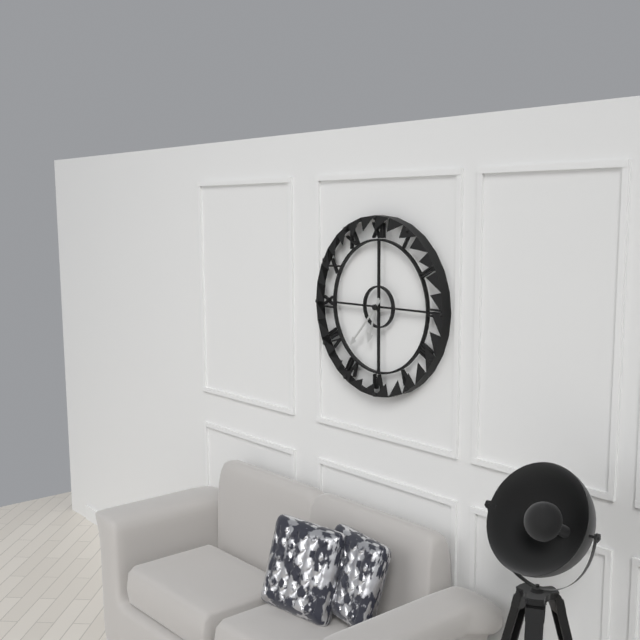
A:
**6:37**
